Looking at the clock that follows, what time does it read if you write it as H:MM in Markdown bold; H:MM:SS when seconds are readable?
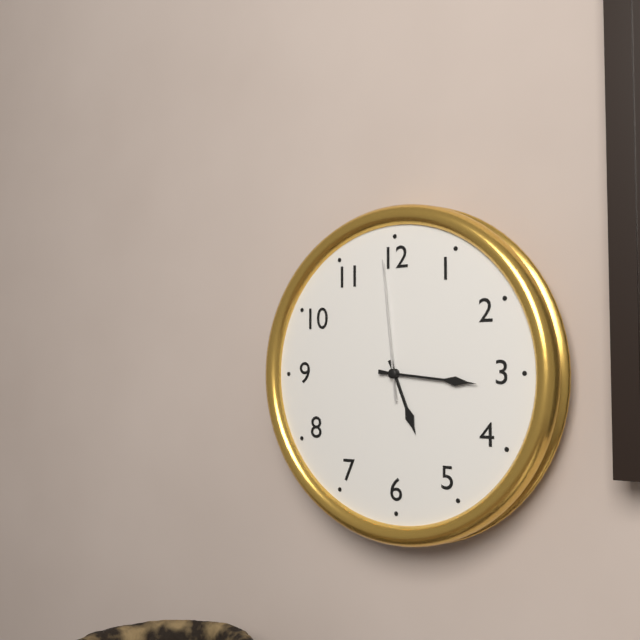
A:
**5:16:59**
